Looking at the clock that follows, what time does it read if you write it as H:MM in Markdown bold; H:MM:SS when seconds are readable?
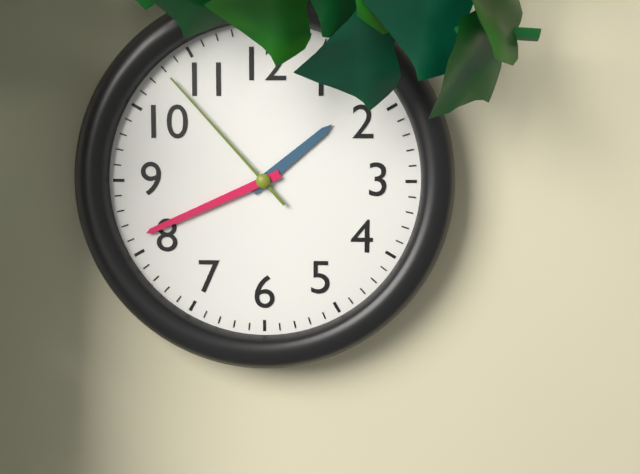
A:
**1:41:53**
